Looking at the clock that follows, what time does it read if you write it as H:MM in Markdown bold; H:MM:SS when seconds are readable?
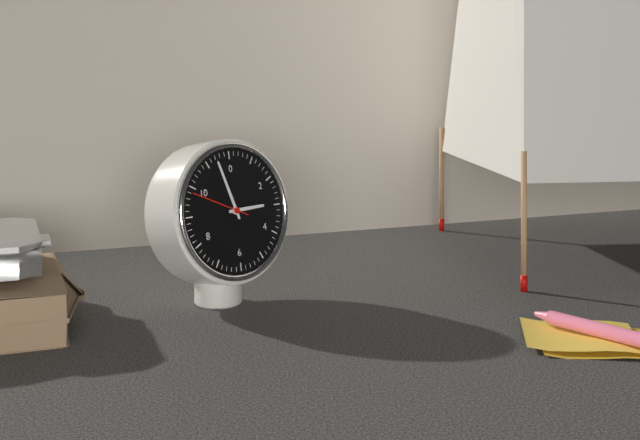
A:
**2:57**
